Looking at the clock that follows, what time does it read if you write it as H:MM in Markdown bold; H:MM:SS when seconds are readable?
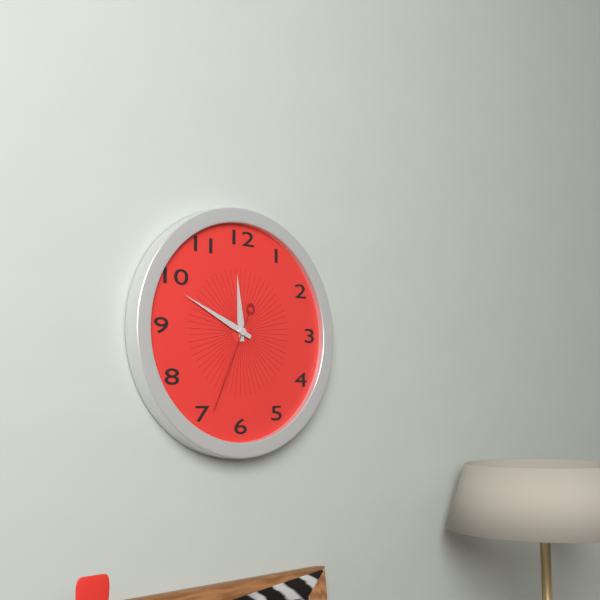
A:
**11:49:34**
